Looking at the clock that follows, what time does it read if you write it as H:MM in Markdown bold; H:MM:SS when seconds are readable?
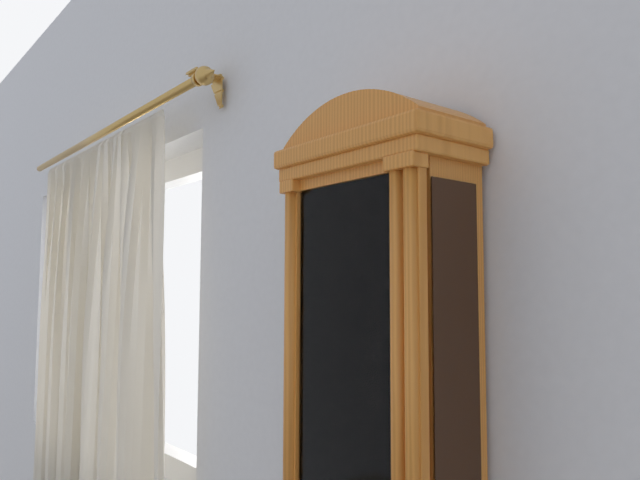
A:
**3:58**
